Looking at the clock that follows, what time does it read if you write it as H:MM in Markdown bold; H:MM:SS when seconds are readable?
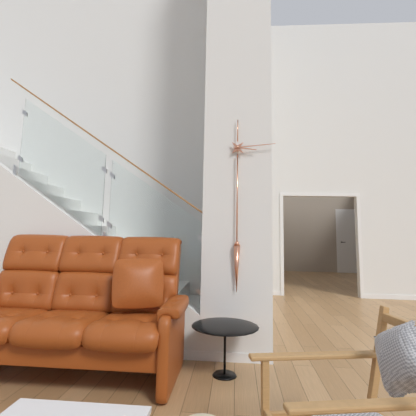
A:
**3:14**
